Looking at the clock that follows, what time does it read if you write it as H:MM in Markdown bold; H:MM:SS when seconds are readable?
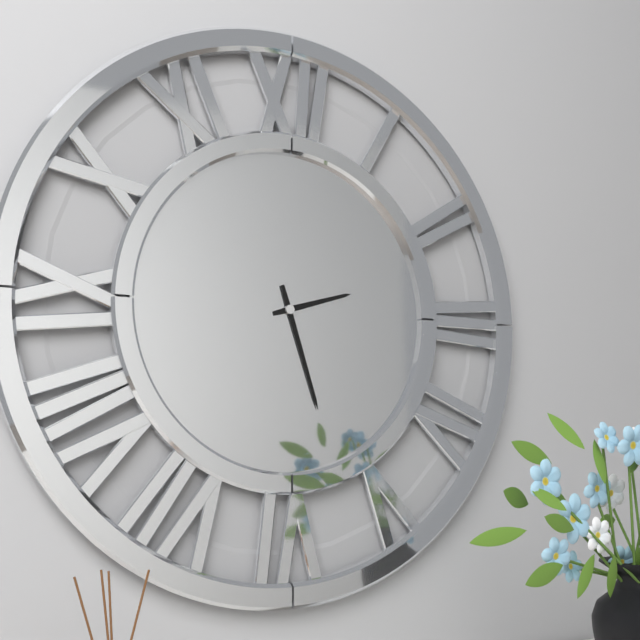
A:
**2:27**
